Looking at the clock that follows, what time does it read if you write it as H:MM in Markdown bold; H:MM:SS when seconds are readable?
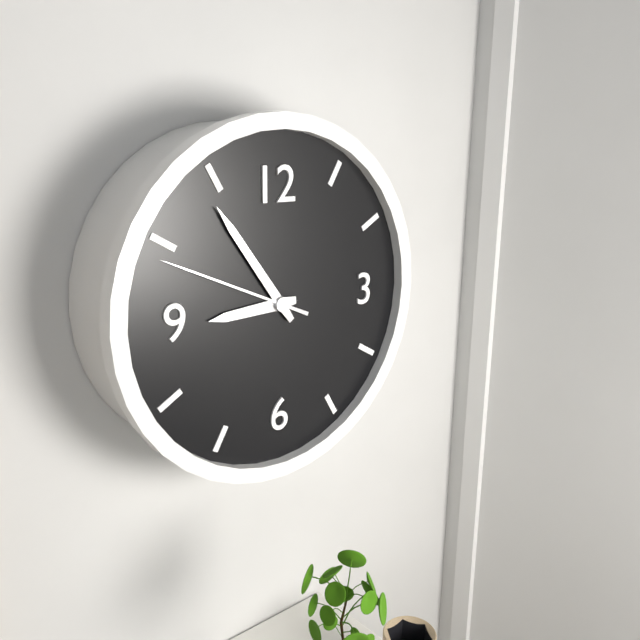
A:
**8:54:49**
